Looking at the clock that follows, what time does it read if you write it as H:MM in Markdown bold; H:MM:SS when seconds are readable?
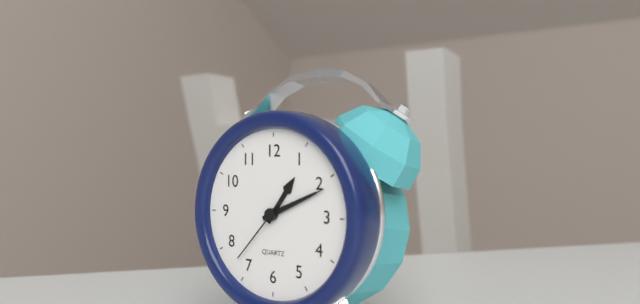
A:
**1:11:37**
